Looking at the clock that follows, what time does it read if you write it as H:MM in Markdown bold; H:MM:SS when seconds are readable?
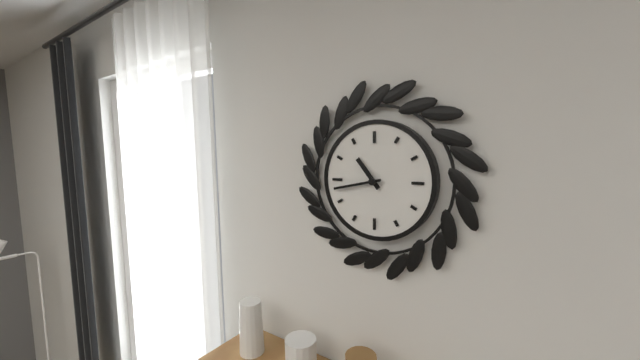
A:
**10:43**
